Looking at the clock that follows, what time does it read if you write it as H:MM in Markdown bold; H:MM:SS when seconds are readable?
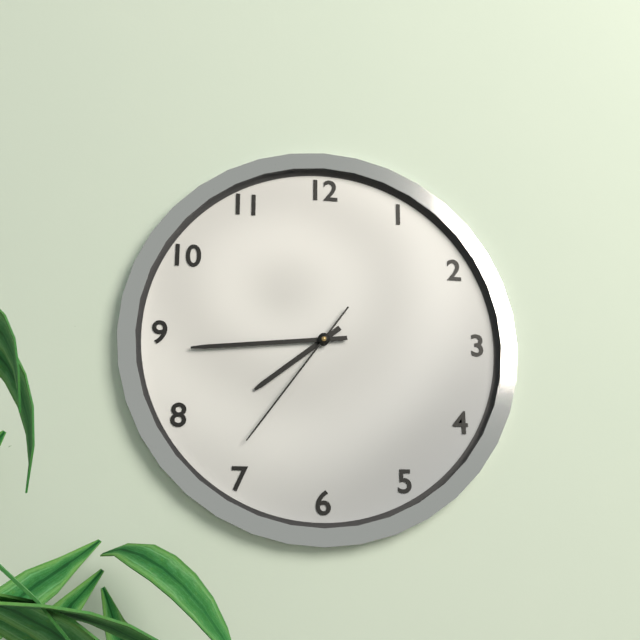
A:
**7:44:36**
